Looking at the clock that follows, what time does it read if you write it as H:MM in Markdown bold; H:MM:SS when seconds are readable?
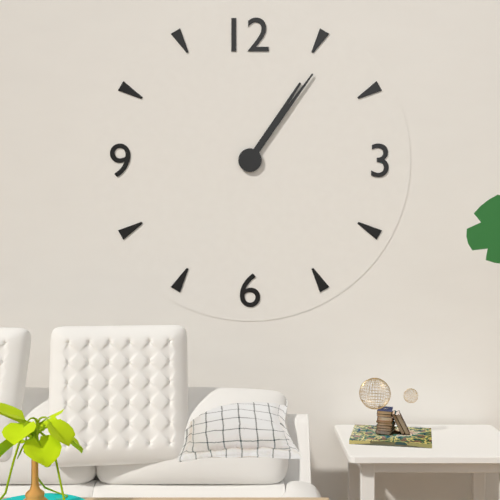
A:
**1:06**
